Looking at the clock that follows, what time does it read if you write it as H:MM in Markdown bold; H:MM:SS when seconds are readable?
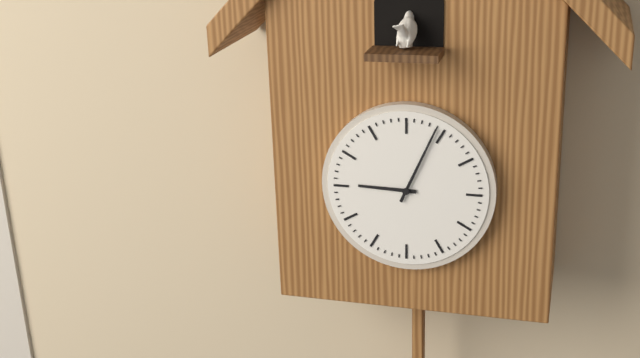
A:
**9:04**
